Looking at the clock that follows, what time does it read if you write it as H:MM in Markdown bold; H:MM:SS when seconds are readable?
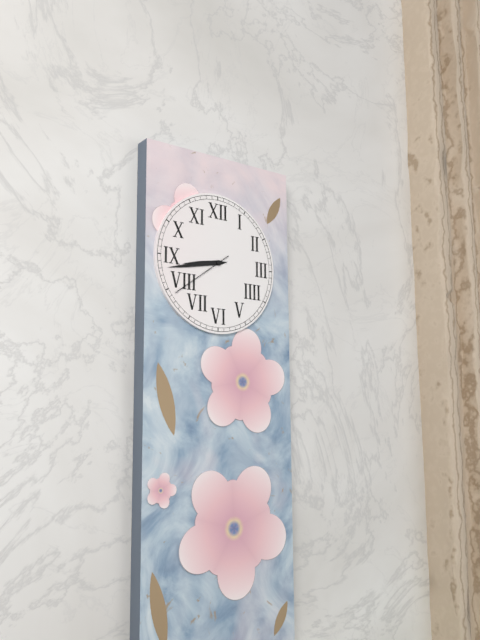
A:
**8:43:39**
